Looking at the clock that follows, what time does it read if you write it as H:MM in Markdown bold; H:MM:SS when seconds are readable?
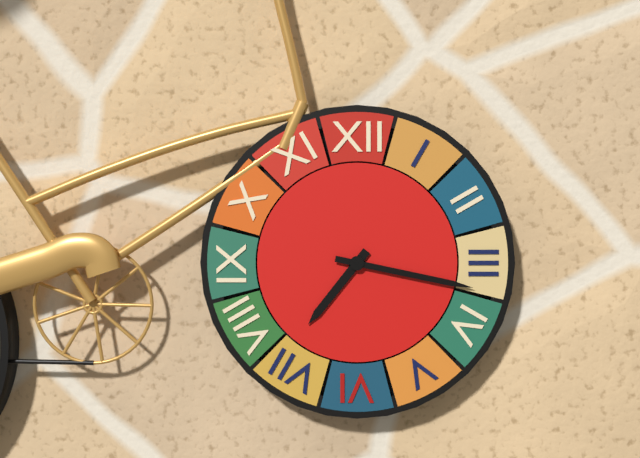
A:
**7:17**
